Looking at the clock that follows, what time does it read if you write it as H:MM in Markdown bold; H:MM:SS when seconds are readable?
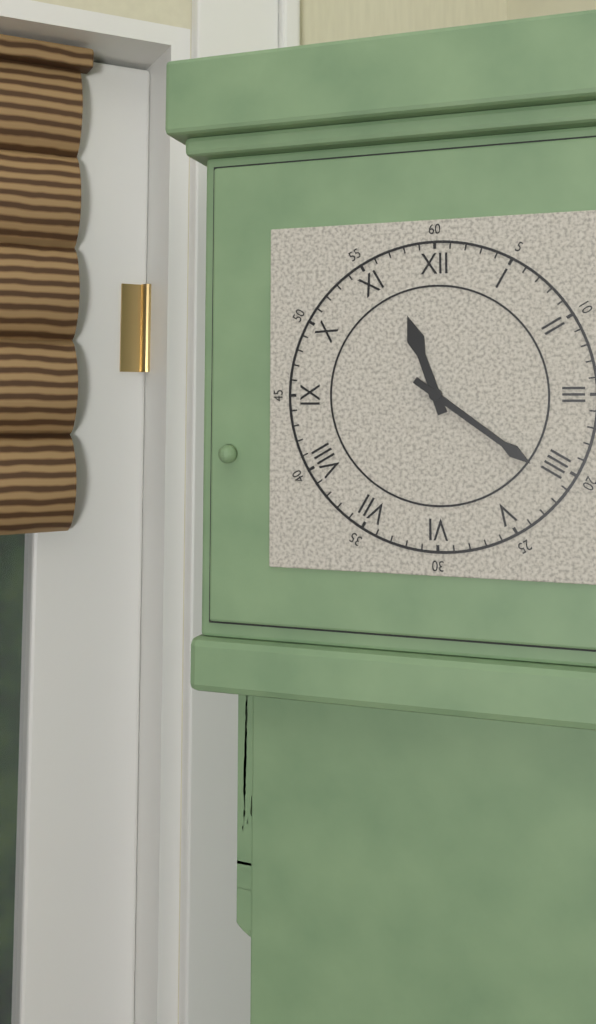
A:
**11:21**
